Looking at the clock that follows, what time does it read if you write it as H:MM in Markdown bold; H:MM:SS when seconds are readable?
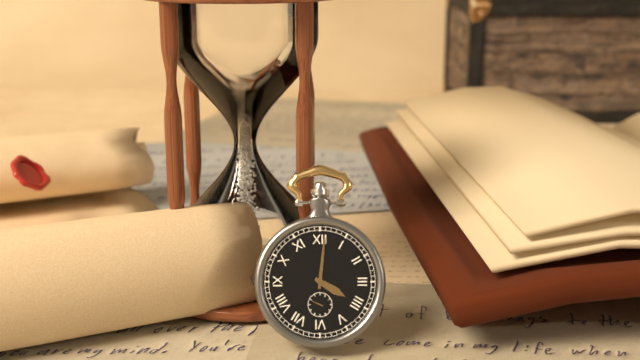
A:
**4:01**
